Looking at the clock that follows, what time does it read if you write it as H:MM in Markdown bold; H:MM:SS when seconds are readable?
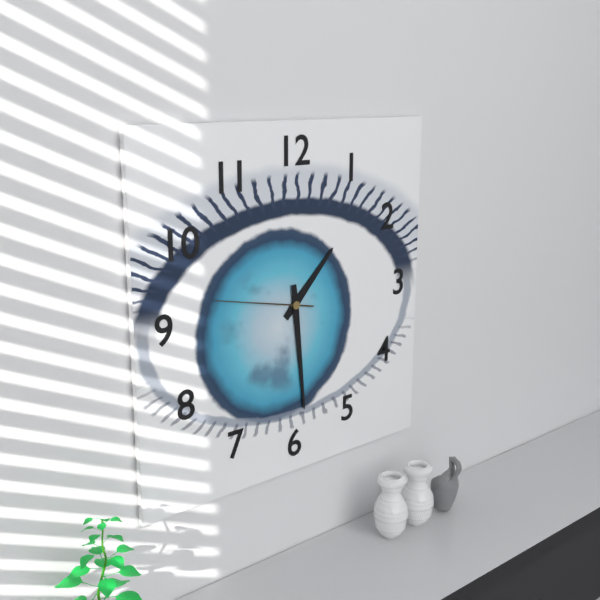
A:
**1:29:47**
